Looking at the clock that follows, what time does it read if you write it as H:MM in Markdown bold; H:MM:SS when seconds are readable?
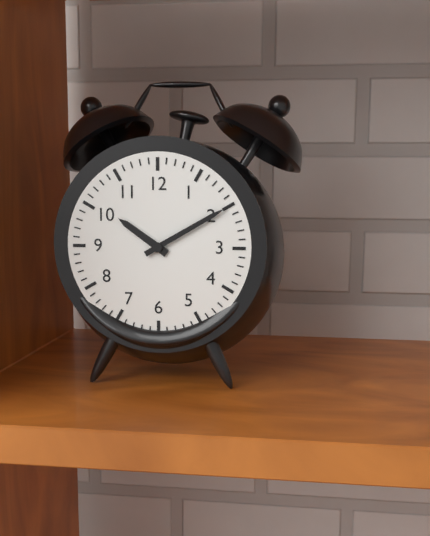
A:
**10:10**
